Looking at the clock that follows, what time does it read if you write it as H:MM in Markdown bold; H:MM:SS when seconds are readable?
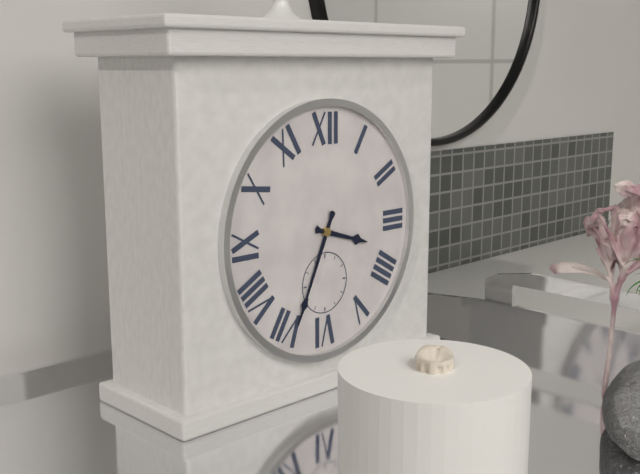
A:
**3:34**
